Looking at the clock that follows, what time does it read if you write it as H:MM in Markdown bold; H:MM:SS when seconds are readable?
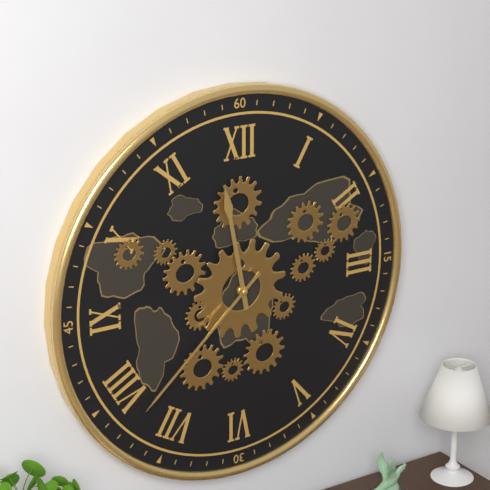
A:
**11:38**
